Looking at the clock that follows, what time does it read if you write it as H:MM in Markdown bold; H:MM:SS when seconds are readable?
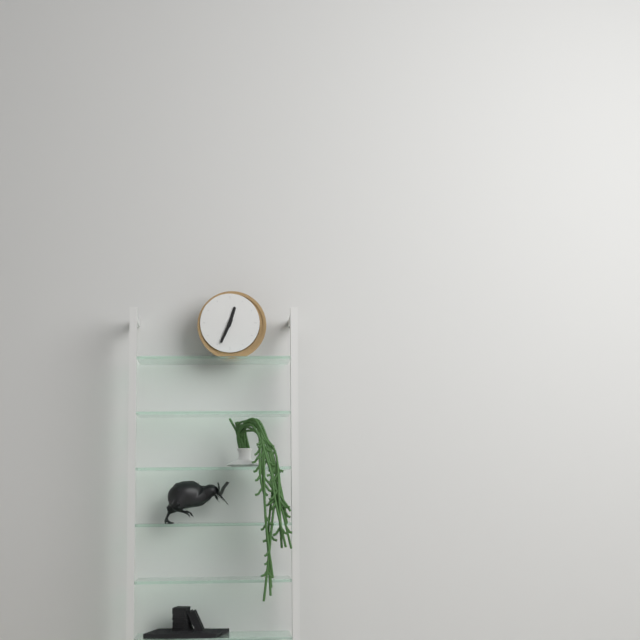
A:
**12:34**
